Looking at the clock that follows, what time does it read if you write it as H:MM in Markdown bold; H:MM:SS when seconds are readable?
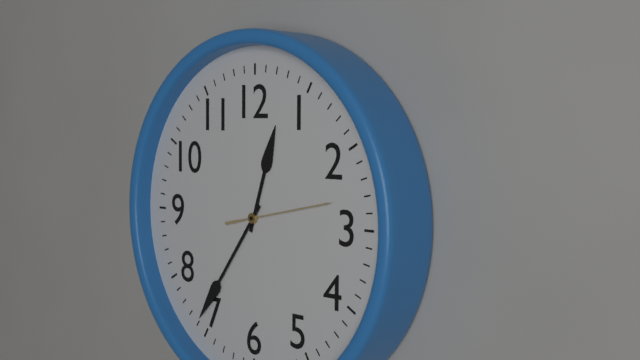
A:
**12:36:13**
